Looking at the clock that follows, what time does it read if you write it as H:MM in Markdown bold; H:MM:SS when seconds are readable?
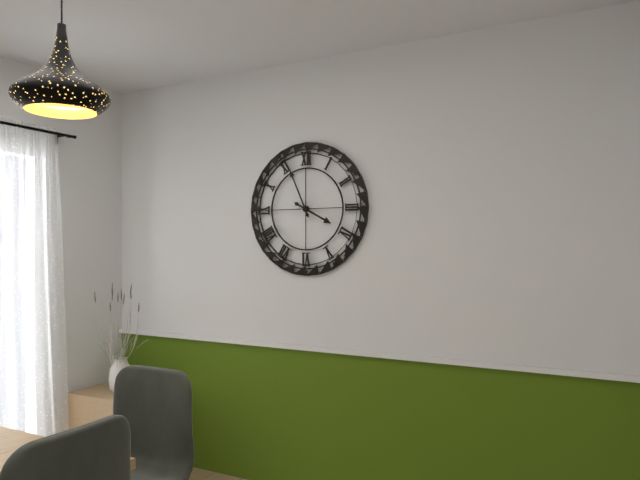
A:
**3:56**
